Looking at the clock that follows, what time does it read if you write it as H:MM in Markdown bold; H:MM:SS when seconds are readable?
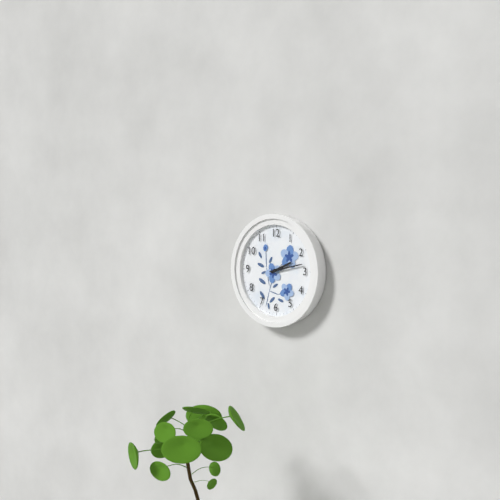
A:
**2:13**
